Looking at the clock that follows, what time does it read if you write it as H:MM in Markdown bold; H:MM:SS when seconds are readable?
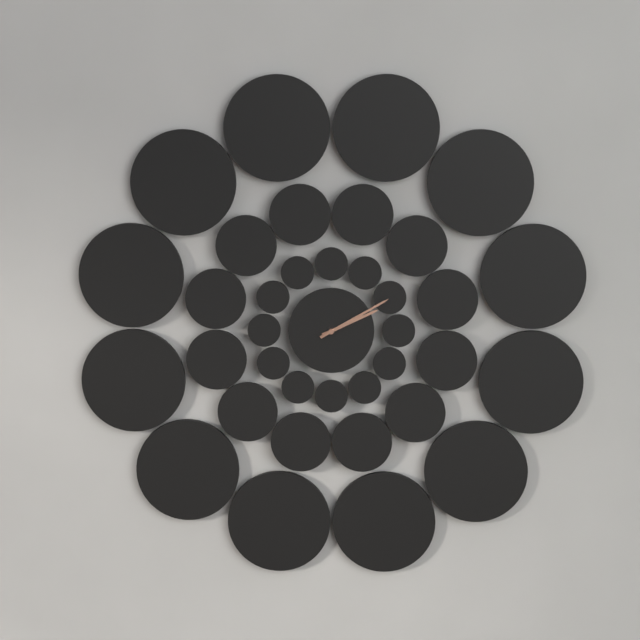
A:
**2:10**
